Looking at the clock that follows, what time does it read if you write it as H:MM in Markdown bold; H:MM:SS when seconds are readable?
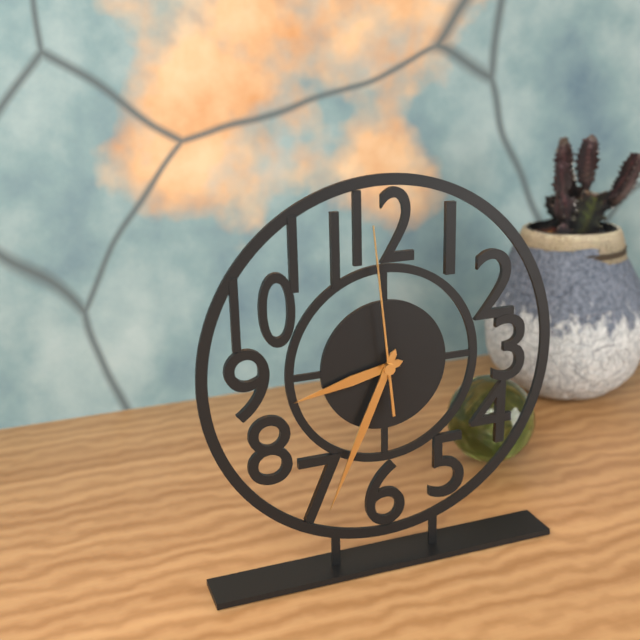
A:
**8:34:59**
